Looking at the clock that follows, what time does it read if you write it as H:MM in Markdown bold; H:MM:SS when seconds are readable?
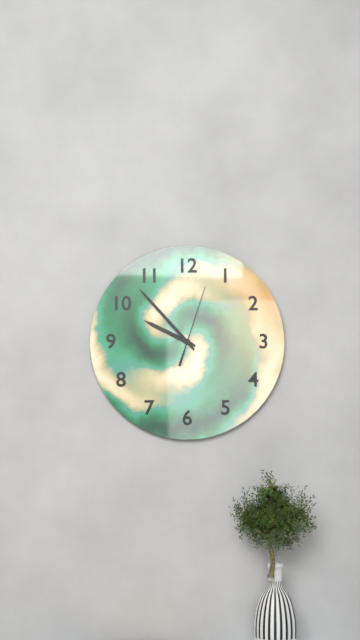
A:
**9:53:03**
